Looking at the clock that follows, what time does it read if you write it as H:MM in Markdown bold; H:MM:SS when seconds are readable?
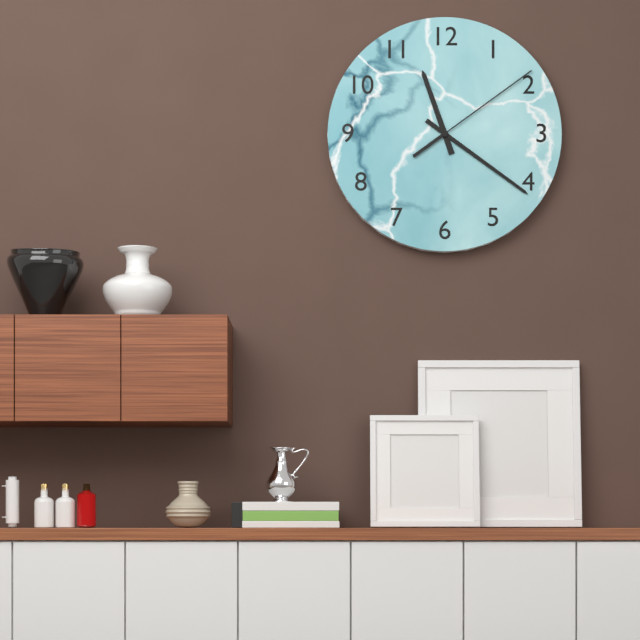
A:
**11:21:09**
